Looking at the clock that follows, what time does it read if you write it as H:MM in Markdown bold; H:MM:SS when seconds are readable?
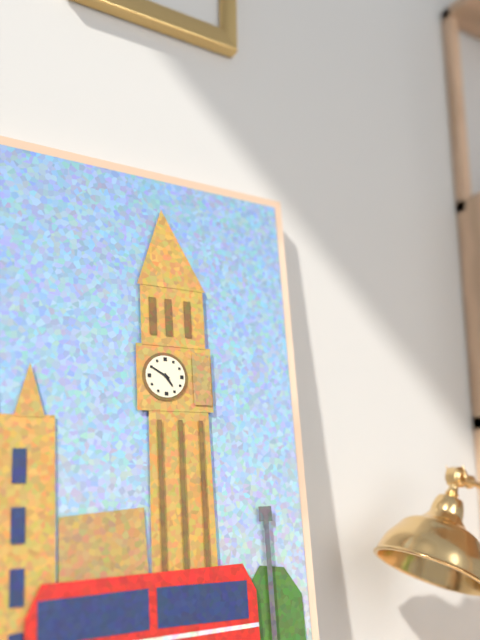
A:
**4:50**
